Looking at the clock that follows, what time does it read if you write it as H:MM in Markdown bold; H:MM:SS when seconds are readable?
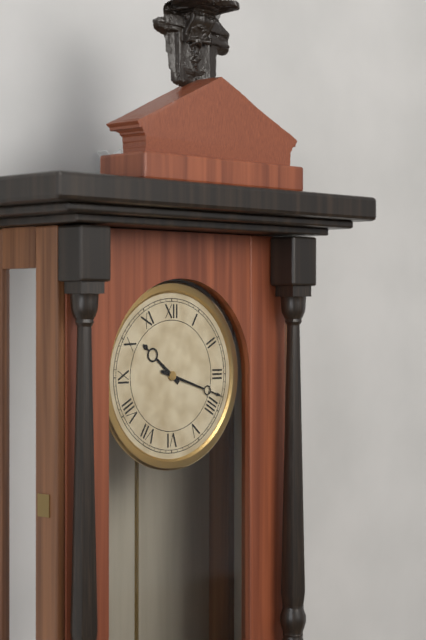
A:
**10:18**
